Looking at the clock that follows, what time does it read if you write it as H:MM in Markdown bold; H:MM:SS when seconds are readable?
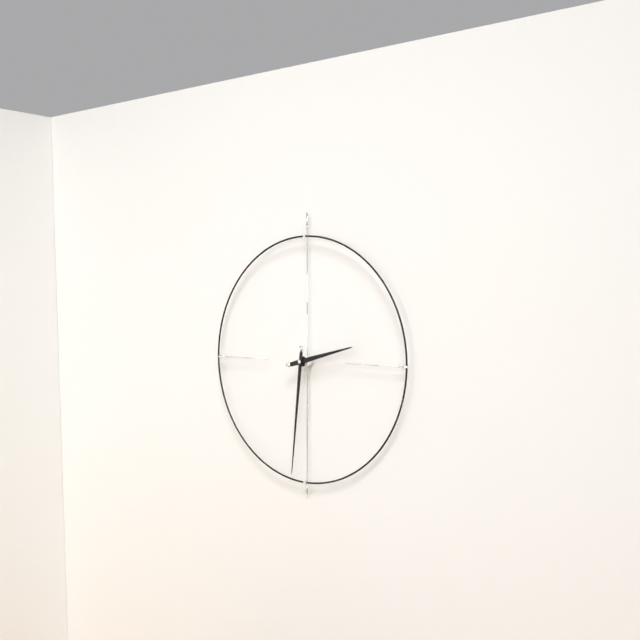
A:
**2:31**
